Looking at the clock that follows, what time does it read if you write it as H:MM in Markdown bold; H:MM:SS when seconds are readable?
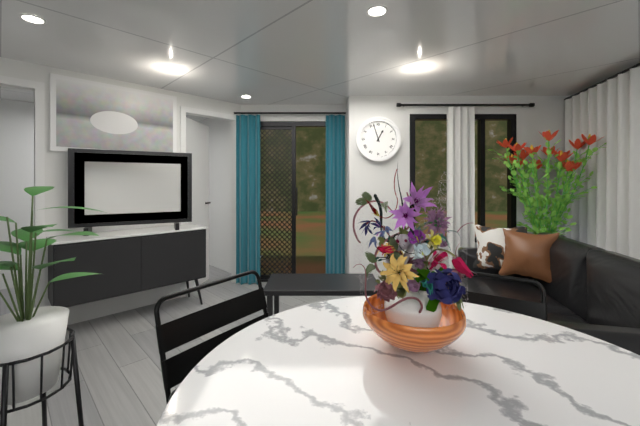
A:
**12:57**
